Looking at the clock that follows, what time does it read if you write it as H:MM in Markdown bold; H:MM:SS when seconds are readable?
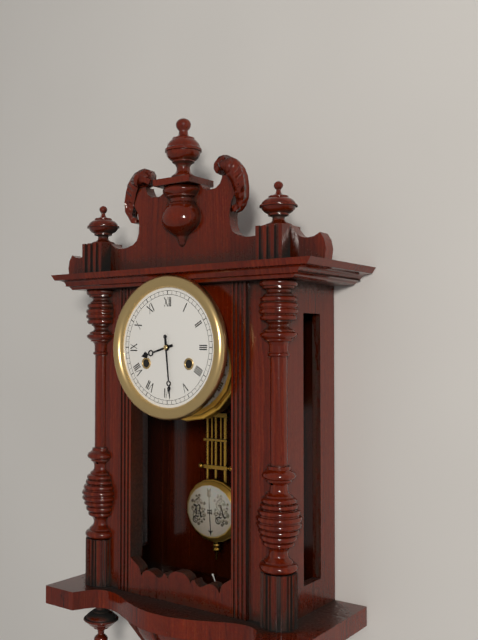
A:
**8:29**
